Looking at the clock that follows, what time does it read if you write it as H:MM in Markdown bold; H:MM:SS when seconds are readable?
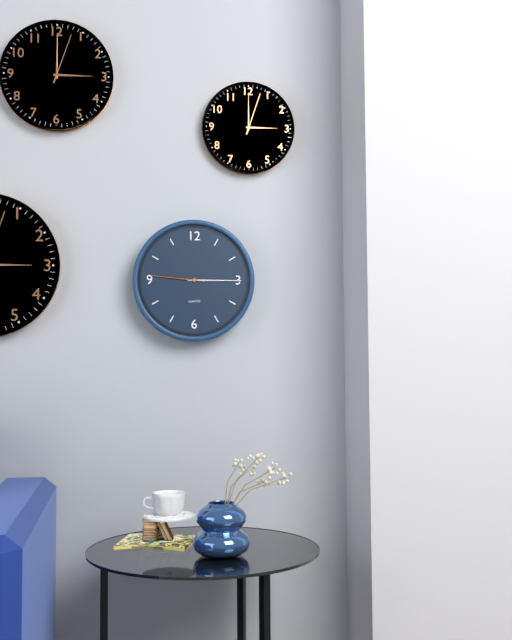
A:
**9:15:46**
